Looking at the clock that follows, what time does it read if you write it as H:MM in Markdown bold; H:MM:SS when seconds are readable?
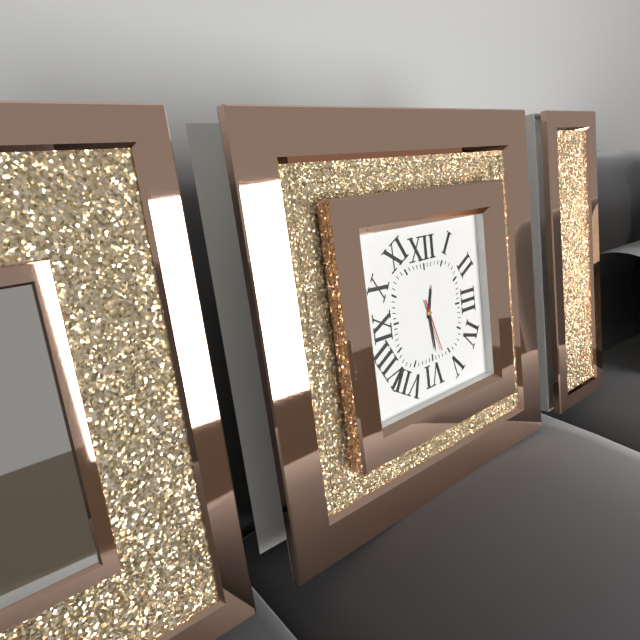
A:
**12:29**
